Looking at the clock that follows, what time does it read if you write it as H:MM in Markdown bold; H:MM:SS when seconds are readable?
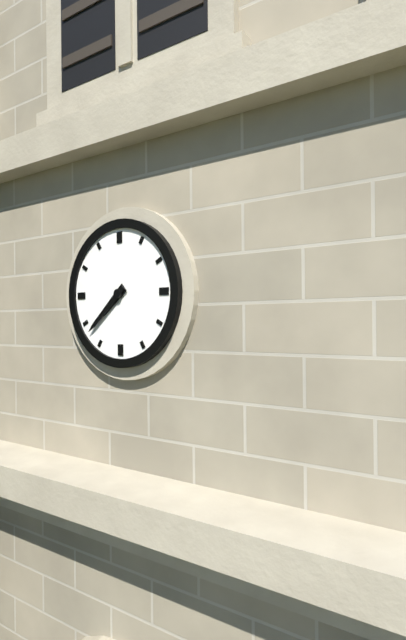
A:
**7:38**
